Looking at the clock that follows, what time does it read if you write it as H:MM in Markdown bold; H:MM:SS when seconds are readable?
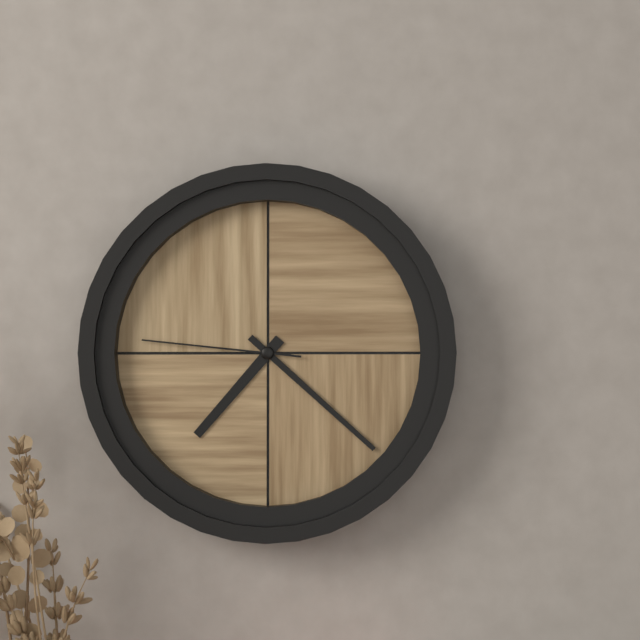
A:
**7:22:46**
